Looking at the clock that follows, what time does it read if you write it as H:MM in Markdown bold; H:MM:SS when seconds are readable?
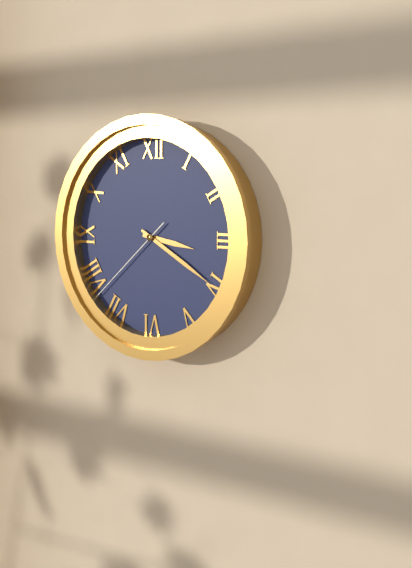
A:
**3:20:38**
